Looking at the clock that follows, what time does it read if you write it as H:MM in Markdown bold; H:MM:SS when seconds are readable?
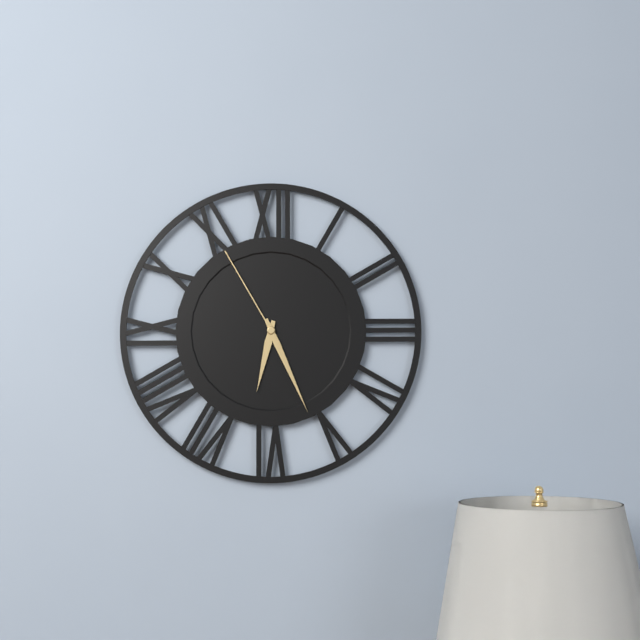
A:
**6:26:55**
